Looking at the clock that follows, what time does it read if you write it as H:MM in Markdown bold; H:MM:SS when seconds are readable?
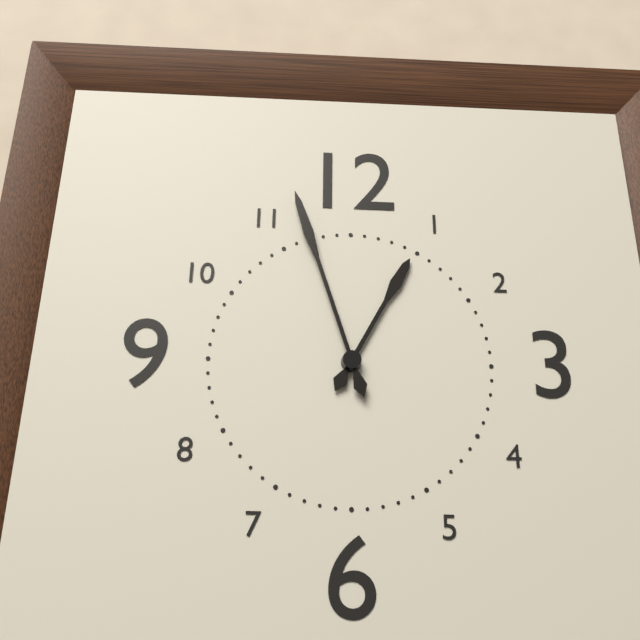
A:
**12:57**
